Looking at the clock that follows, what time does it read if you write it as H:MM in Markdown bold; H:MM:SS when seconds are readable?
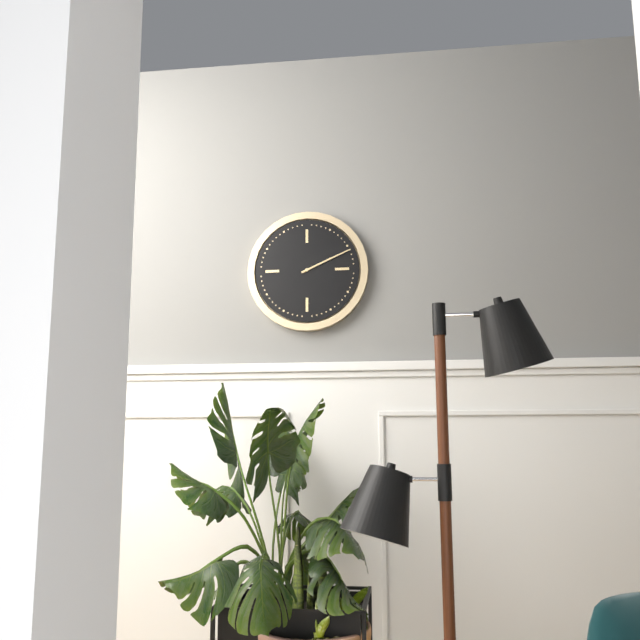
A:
**2:11**
